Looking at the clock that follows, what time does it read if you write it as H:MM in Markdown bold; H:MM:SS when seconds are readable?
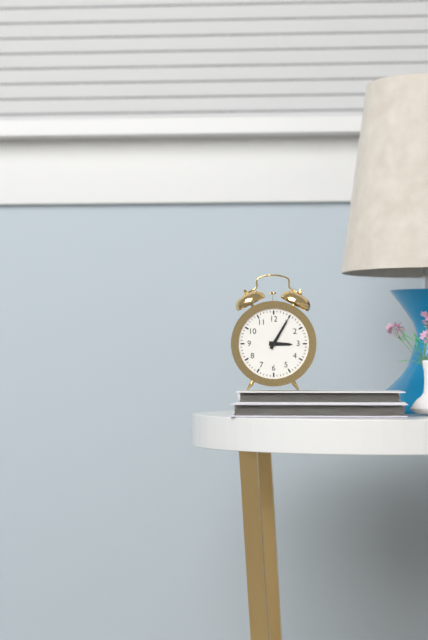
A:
**3:05**
